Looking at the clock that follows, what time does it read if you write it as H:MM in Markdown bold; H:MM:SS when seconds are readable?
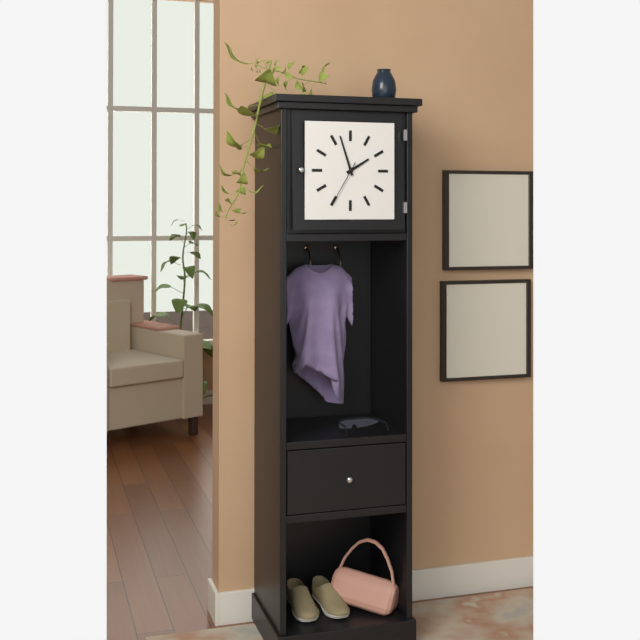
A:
**1:57**
